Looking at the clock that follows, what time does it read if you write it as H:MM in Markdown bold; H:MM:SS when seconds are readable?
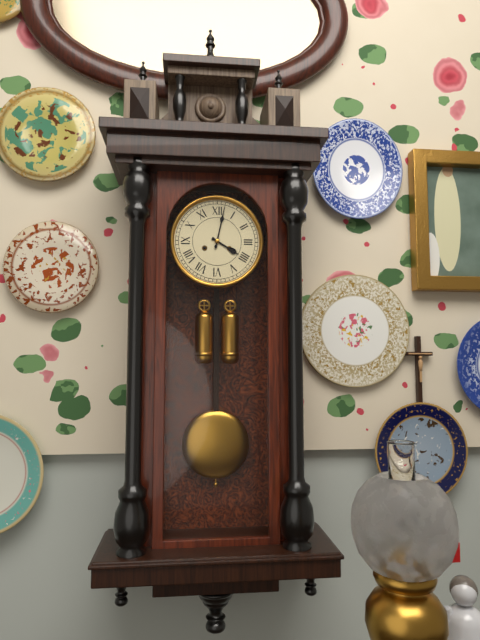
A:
**4:02**
